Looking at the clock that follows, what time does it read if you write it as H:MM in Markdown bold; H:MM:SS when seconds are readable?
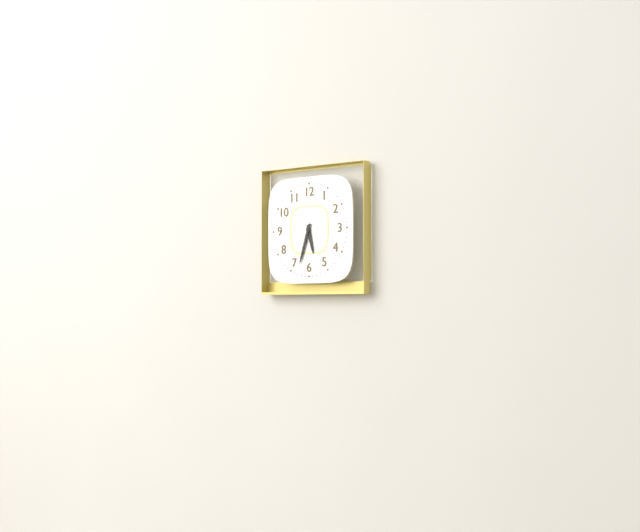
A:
**5:33**
